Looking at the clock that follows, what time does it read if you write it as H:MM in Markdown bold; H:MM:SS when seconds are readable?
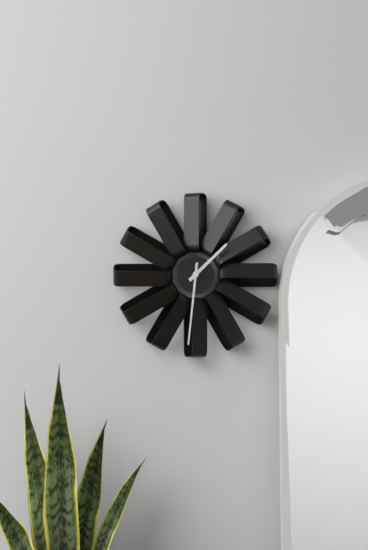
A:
**1:31**
